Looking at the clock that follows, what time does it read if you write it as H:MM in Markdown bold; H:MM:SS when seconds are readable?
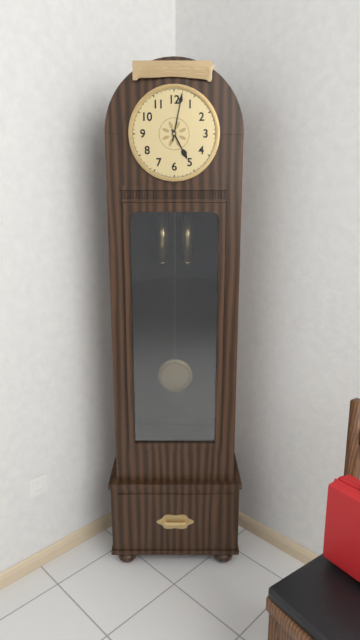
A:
**5:02**
